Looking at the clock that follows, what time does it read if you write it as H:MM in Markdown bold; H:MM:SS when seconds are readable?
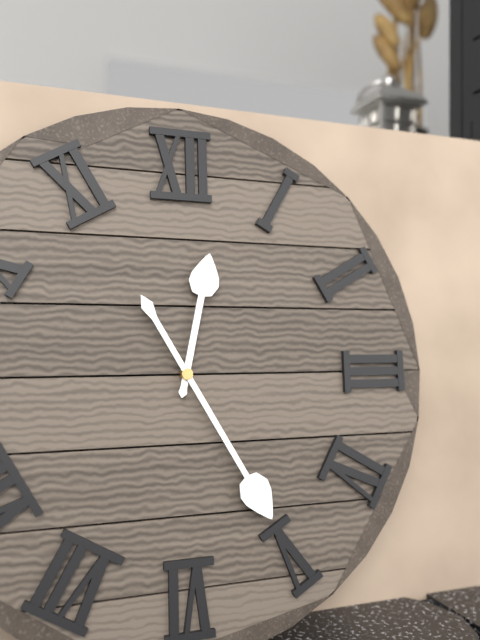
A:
**12:25**
